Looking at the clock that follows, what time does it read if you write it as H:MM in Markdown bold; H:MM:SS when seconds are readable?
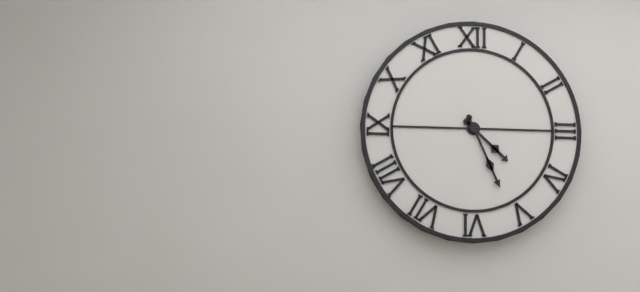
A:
**4:26**
